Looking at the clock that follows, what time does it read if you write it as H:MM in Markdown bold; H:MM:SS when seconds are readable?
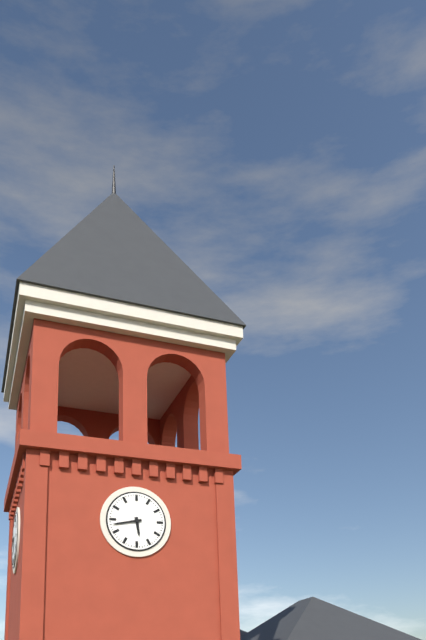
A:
**5:43**
